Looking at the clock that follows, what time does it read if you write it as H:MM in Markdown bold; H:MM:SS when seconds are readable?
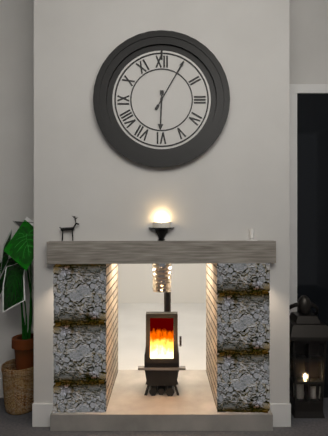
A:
**6:05**
